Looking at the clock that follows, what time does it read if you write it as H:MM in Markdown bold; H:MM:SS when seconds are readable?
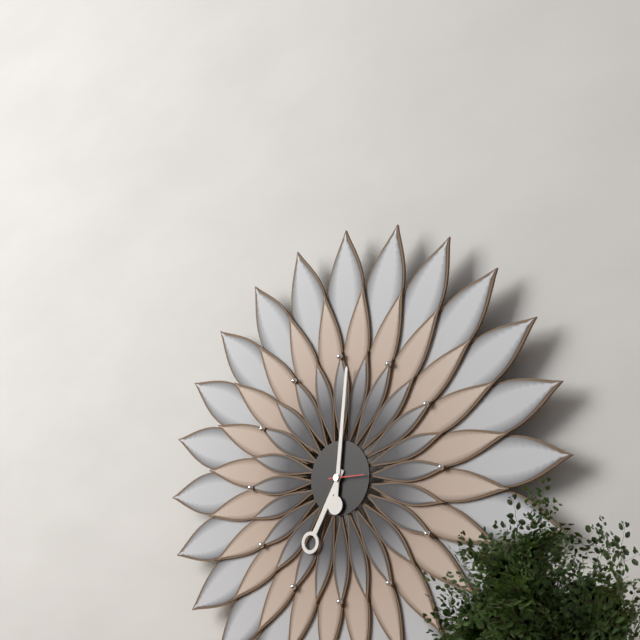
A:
**7:01**
